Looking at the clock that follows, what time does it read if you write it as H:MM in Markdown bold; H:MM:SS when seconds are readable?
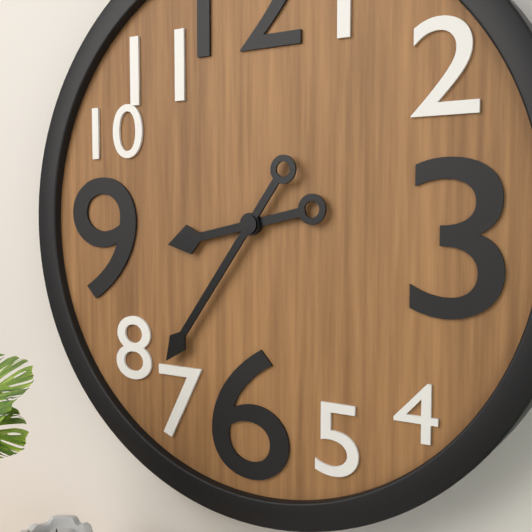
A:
**8:36**
